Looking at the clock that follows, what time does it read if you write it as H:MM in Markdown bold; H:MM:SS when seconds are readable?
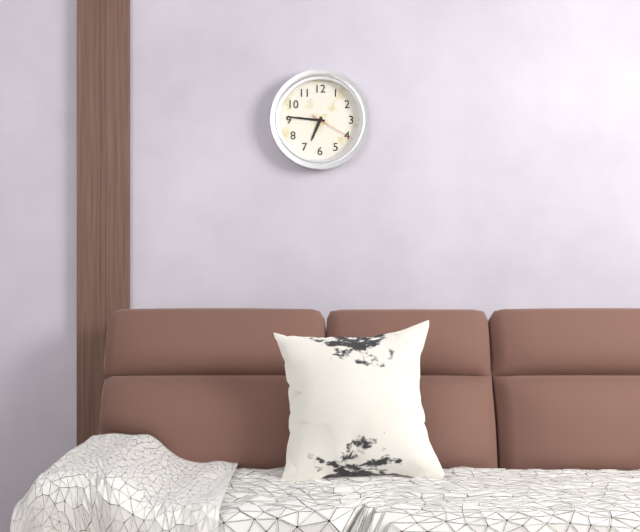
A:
**6:46**
